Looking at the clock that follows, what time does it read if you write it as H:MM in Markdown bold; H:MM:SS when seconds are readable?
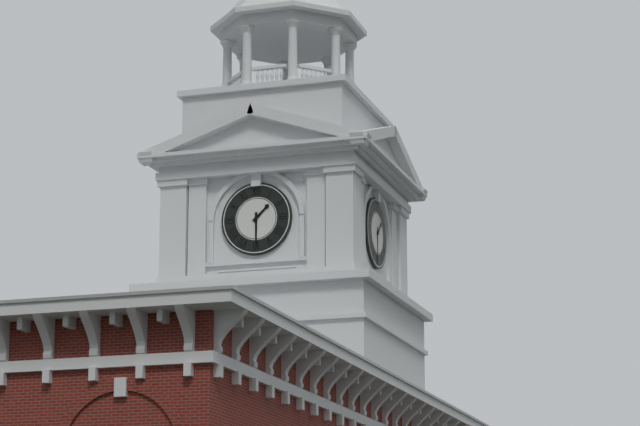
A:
**1:30**
